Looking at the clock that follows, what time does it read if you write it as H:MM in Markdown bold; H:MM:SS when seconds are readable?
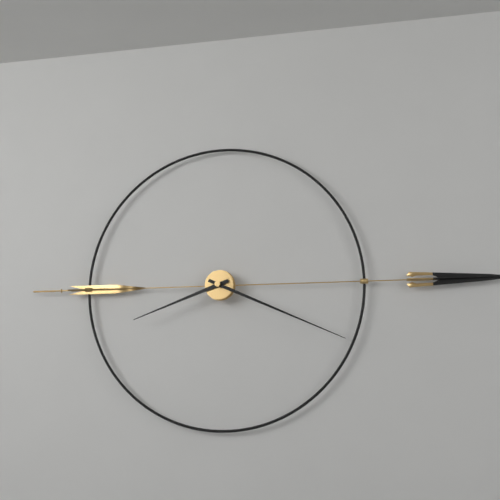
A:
**8:19**
